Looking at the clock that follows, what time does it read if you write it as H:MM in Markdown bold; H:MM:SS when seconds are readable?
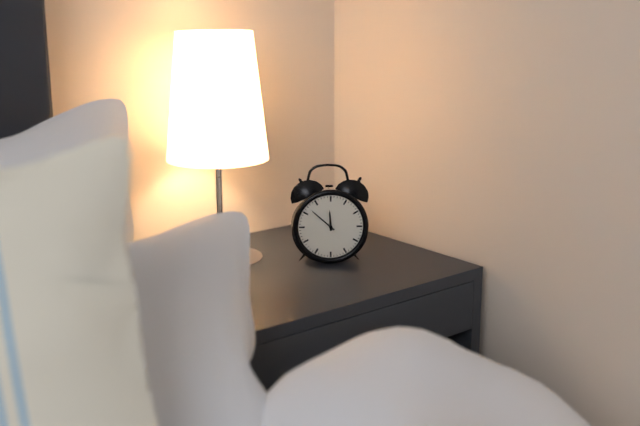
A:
**11:52**
